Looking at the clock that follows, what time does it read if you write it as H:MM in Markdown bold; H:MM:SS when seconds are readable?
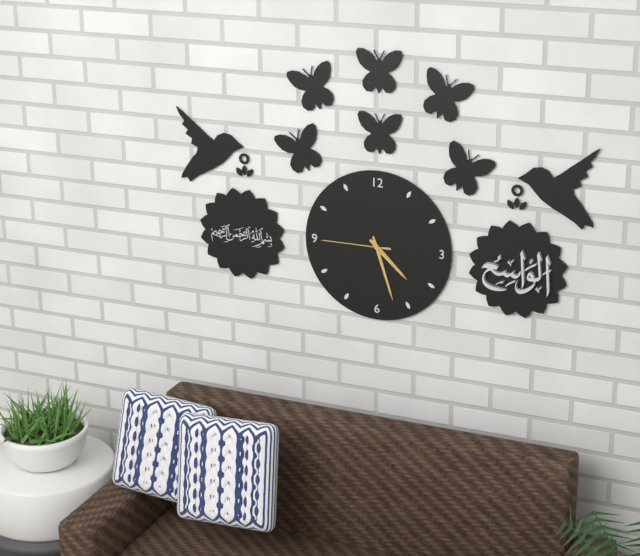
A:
**4:27:45**
